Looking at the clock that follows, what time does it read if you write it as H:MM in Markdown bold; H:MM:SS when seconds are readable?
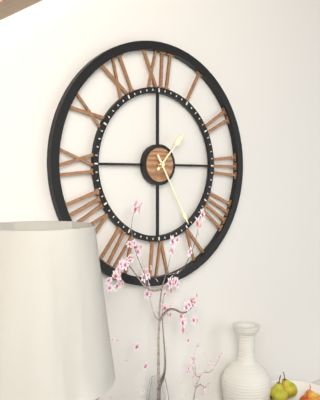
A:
**1:25**
